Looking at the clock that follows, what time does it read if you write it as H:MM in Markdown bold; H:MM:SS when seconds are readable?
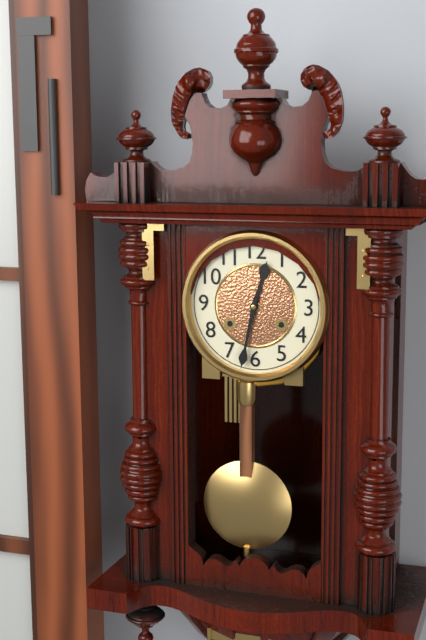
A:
**12:32**
